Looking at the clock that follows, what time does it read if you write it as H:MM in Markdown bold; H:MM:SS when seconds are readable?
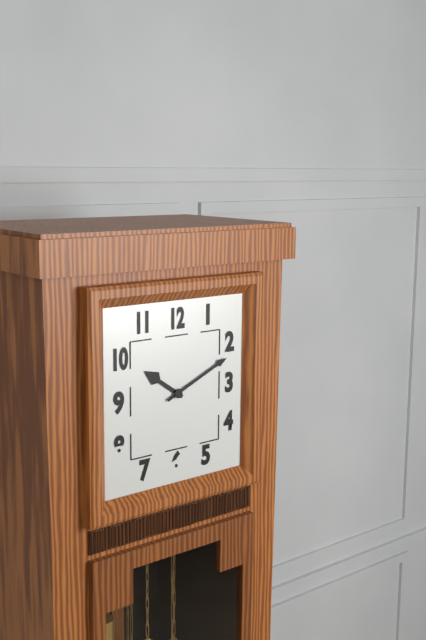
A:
**10:11**
